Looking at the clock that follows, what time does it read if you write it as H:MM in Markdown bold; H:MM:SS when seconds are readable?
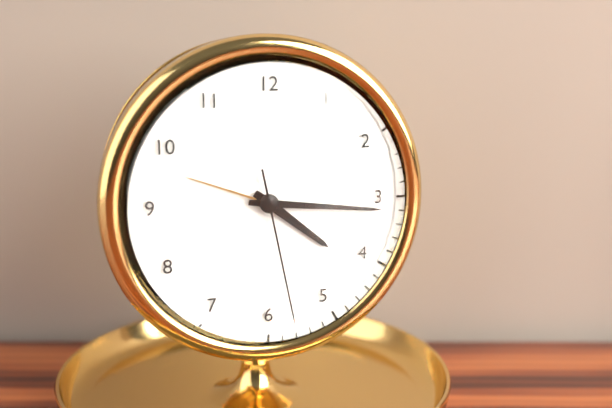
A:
**4:16:28**
